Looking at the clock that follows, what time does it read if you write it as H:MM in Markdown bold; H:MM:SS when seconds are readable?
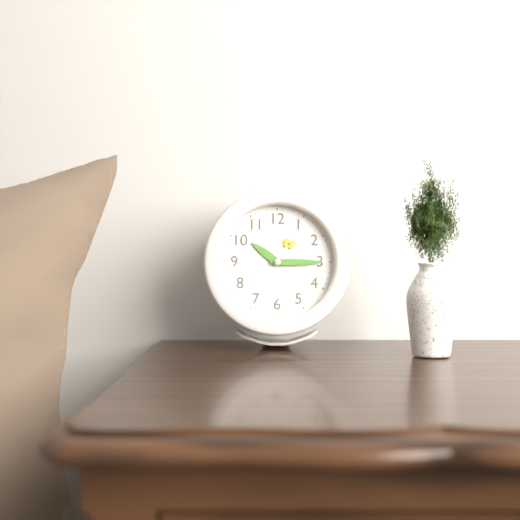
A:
**10:15**
